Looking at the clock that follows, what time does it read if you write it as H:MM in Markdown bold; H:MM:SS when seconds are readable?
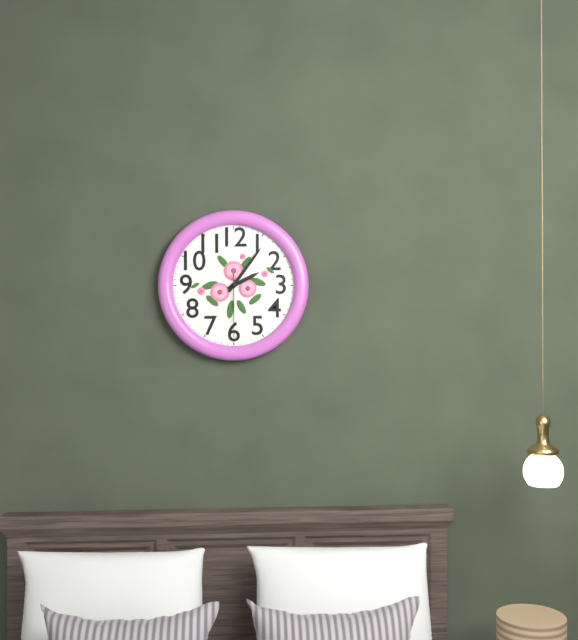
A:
**2:06:30**
